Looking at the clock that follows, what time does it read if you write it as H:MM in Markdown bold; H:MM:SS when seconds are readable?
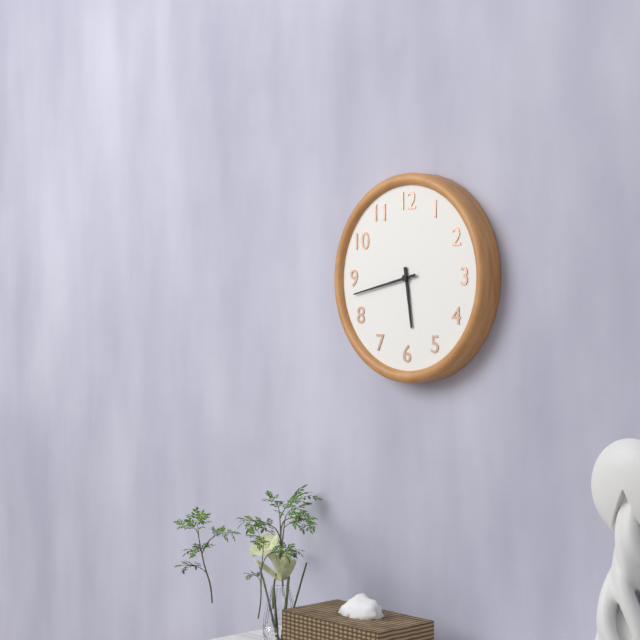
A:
**5:43**
